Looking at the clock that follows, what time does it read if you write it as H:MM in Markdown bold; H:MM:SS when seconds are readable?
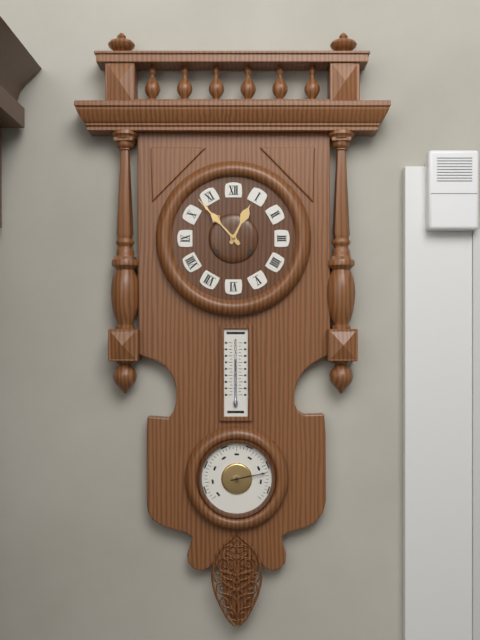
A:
**12:53**
